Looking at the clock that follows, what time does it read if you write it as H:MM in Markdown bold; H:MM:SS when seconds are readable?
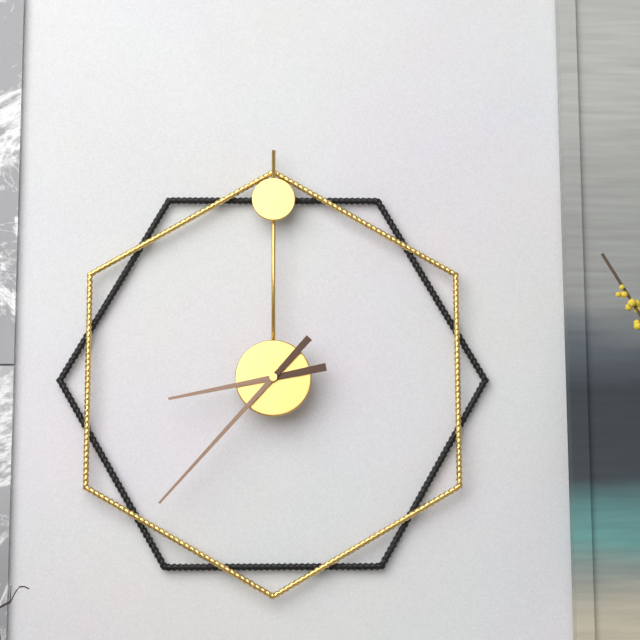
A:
**8:37**
